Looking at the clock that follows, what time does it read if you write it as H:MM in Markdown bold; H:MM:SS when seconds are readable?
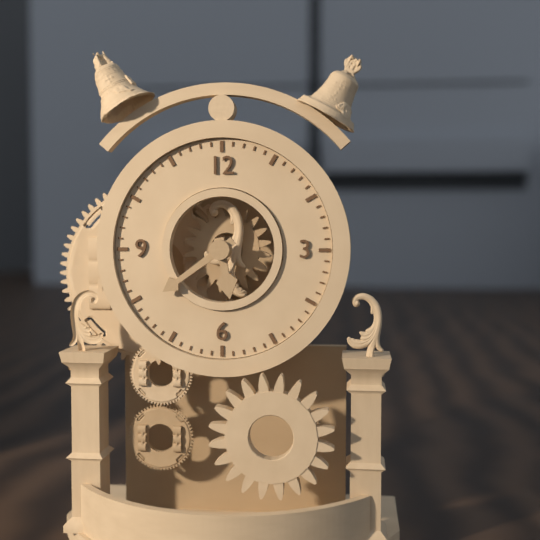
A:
**5:39**
